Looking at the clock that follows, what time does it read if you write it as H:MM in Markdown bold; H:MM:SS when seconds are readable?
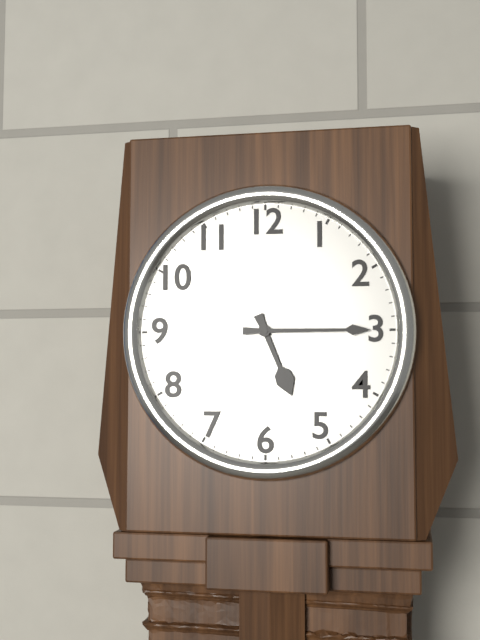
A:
**5:15**
